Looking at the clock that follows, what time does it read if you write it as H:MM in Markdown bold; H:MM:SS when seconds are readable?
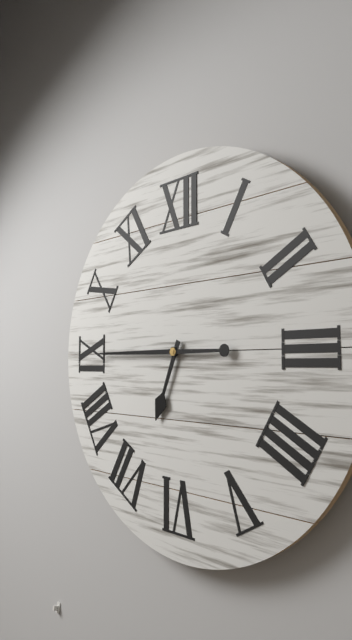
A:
**6:45**
